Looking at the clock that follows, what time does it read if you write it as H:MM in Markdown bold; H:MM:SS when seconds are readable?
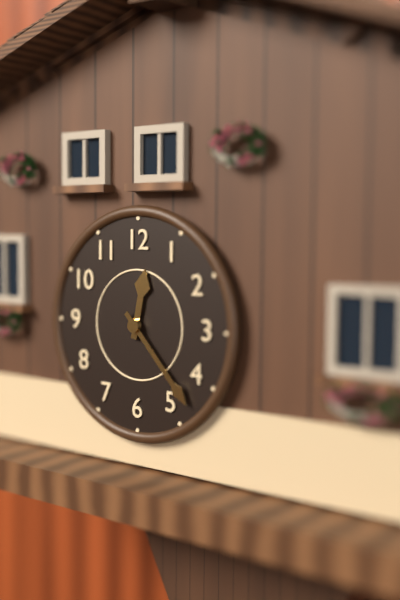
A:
**12:23**
